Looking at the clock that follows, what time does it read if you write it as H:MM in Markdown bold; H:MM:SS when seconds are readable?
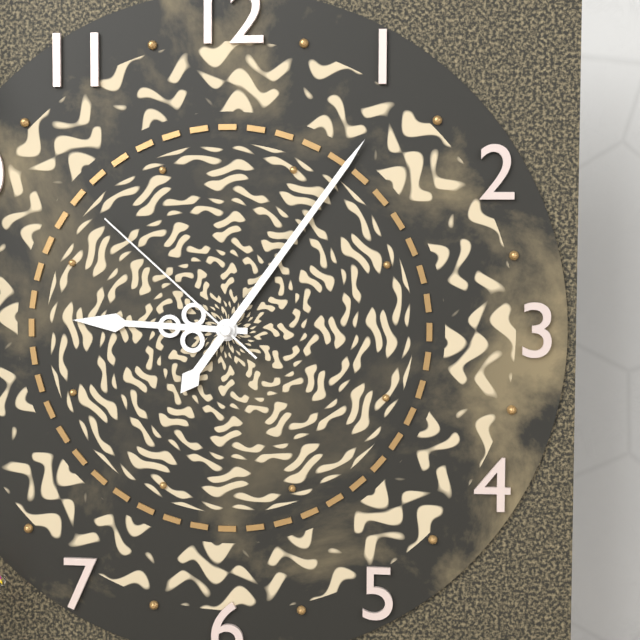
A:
**9:06:52**
